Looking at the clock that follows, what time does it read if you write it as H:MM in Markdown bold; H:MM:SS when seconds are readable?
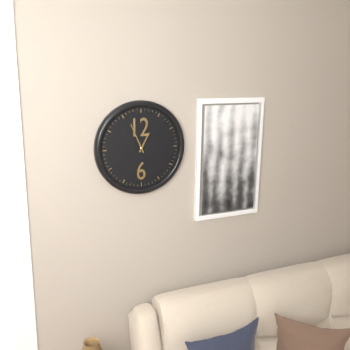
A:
**12:56**
